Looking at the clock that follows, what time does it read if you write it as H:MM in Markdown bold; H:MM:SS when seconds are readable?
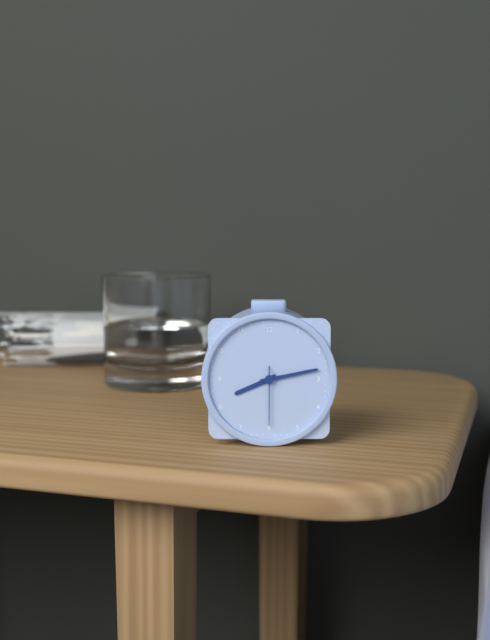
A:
**8:13:30**
